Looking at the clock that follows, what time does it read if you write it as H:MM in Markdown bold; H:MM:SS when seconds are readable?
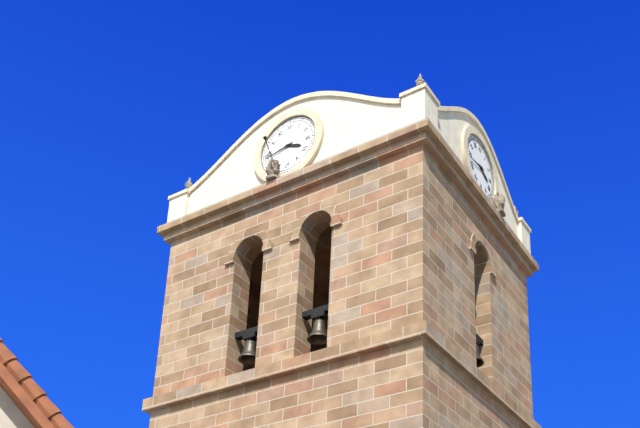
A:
**3:43**
